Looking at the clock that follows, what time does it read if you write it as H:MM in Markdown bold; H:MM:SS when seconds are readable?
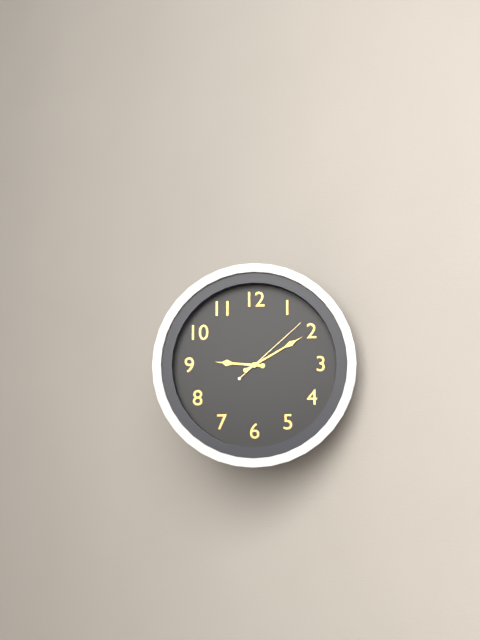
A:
**9:10:08**
